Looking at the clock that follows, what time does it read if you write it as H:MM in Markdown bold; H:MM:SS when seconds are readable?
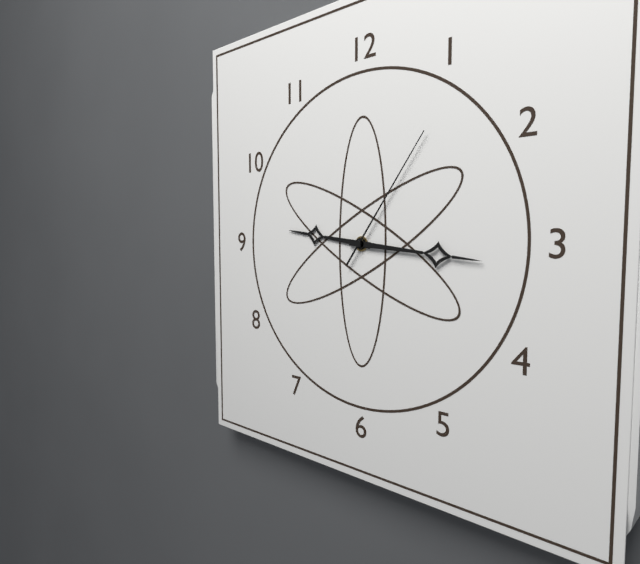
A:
**9:16:06**
